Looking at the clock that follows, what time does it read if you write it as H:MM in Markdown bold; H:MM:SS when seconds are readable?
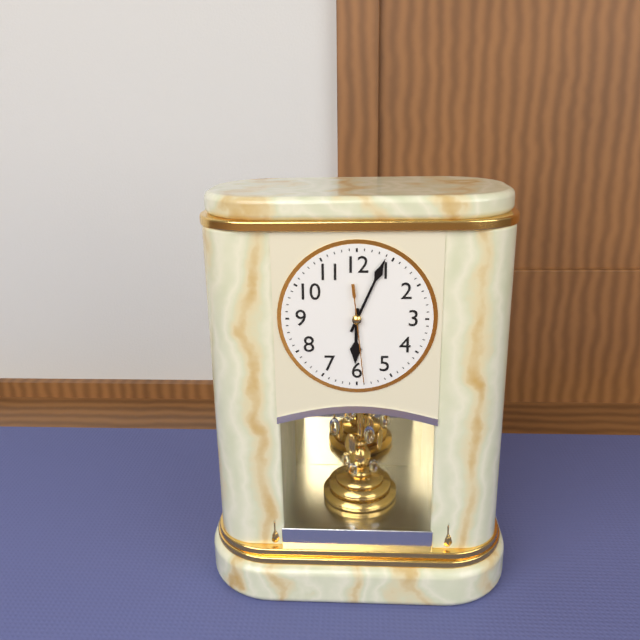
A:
**6:04:29**
